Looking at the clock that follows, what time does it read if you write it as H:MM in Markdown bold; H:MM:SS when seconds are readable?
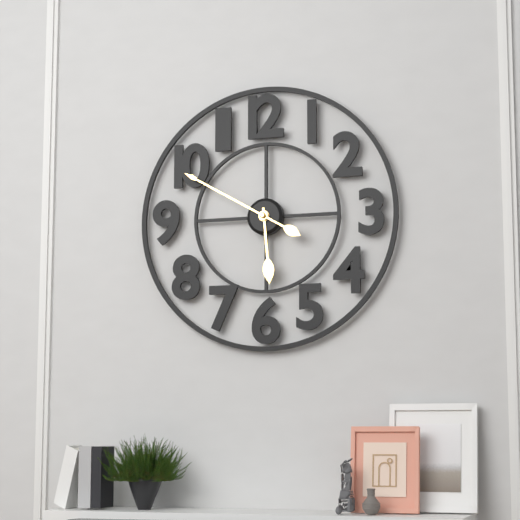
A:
**5:50**
